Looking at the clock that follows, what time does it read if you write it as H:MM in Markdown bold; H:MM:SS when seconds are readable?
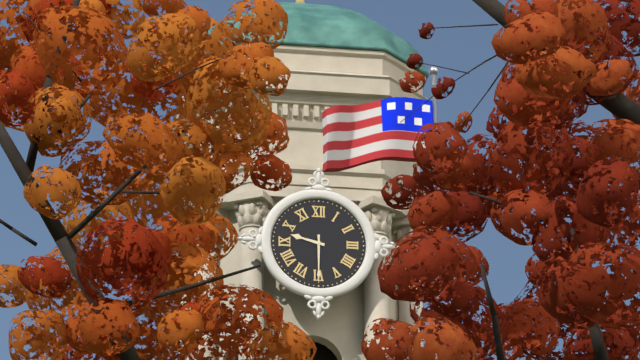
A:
**9:30**
